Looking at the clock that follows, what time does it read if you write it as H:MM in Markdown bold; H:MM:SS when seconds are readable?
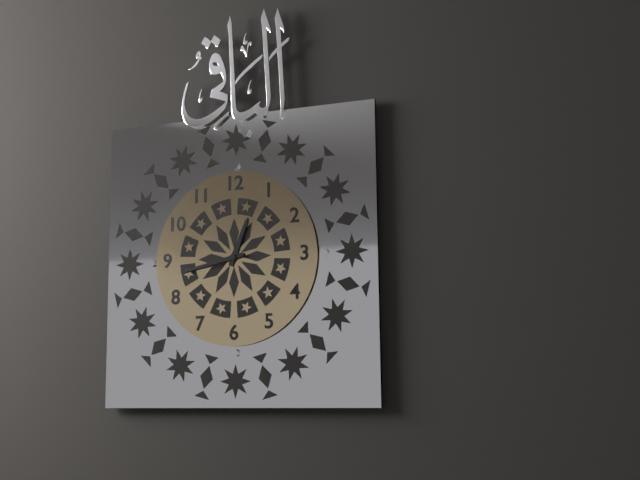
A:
**12:43**
